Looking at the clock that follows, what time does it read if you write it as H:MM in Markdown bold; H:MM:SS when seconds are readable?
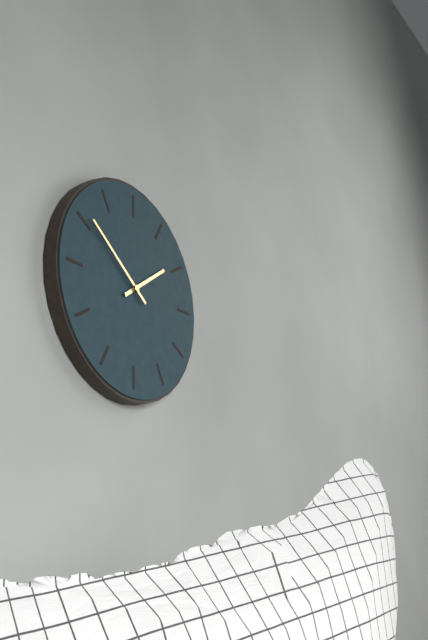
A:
**1:51**
